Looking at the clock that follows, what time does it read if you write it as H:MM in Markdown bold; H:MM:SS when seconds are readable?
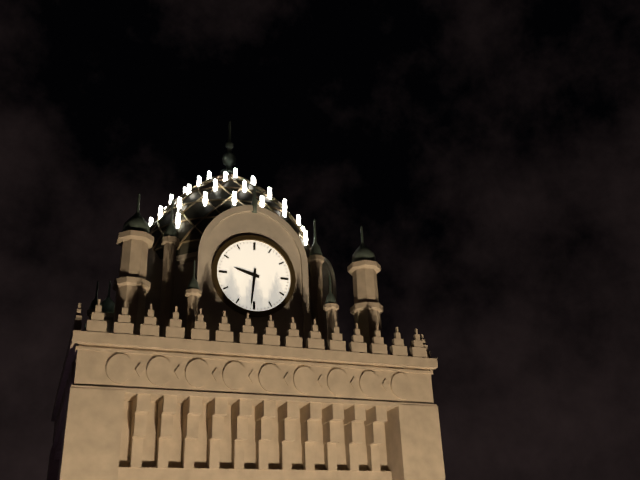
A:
**9:31**
